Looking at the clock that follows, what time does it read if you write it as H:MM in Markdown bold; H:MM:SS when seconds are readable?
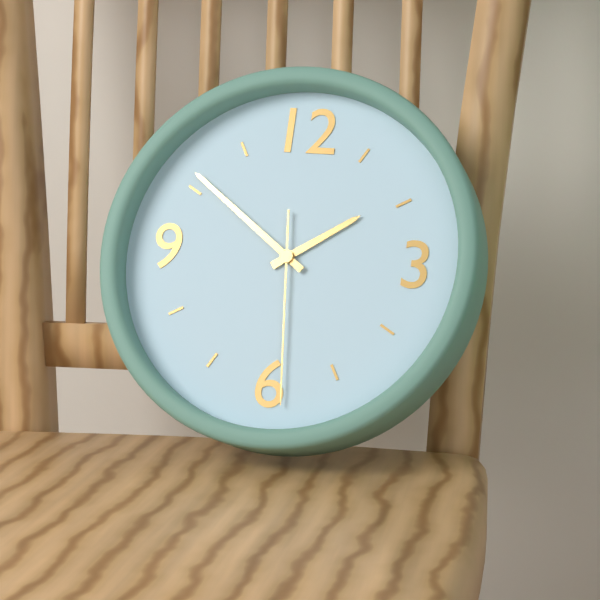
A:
**1:51:29**
